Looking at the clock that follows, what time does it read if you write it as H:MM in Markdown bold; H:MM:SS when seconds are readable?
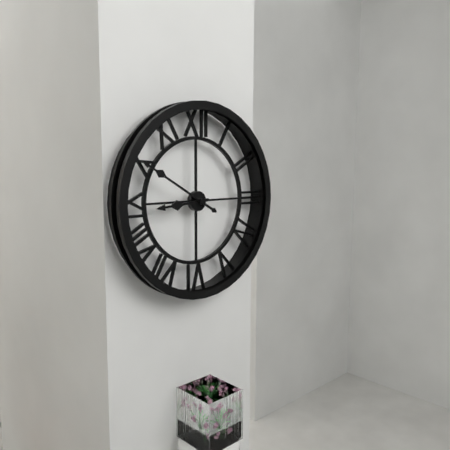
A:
**8:50**
